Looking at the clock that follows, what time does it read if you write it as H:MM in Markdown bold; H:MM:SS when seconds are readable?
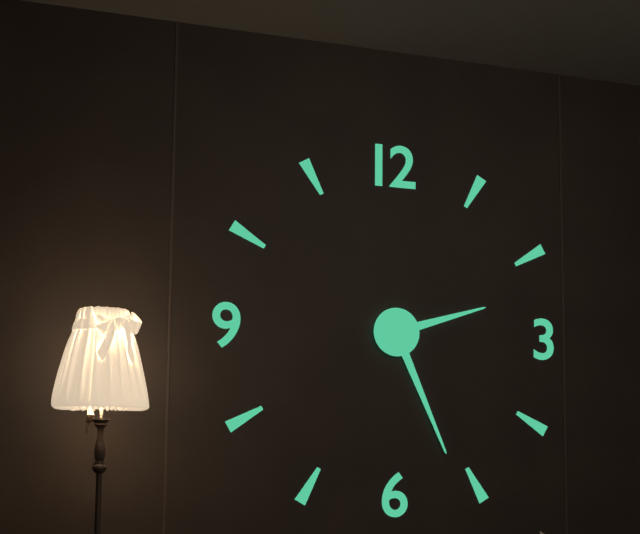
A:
**2:26**
